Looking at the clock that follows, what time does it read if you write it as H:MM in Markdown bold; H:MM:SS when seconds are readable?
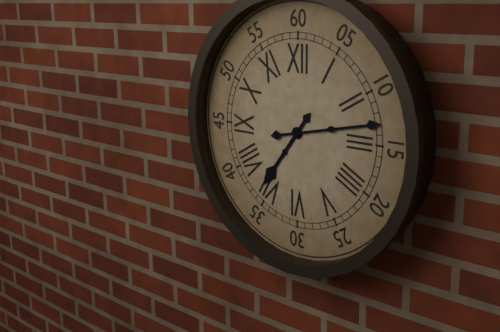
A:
**7:13**
